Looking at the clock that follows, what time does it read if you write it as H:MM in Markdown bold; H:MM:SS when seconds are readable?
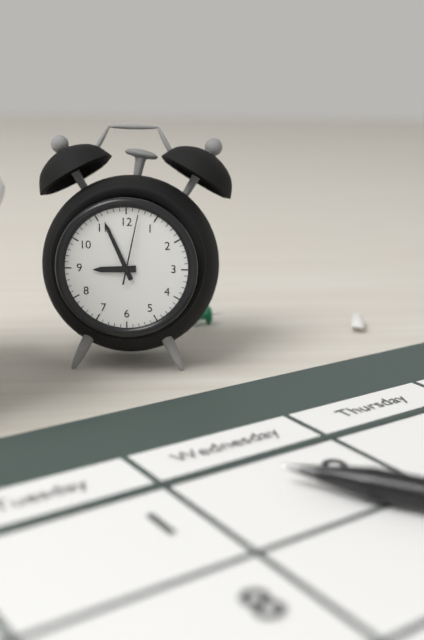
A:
**8:56:02**
